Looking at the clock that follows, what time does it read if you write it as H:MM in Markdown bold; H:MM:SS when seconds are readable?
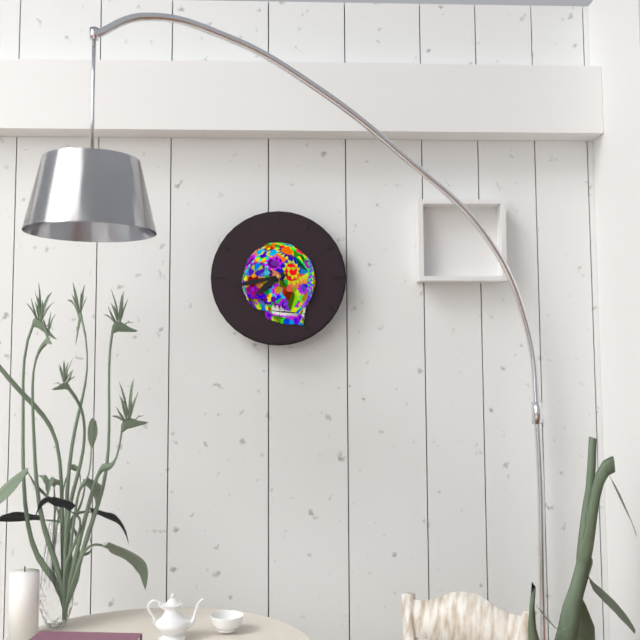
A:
**7:43**
